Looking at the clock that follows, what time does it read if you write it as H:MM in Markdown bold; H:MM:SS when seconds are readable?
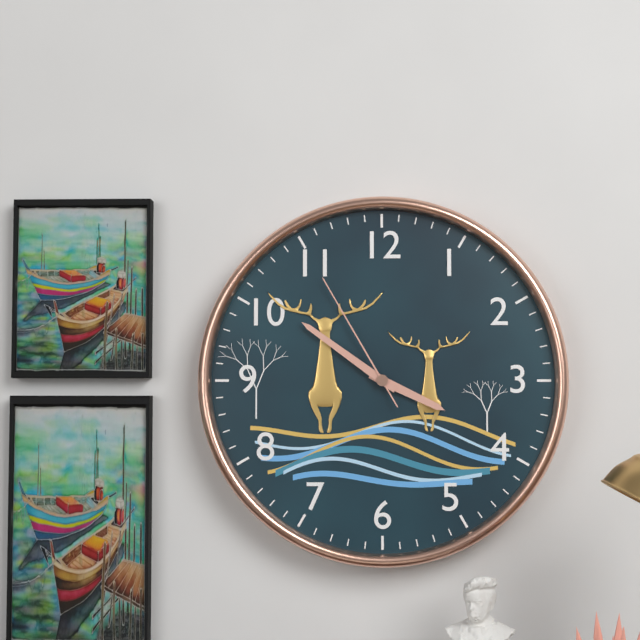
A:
**3:51:55**
